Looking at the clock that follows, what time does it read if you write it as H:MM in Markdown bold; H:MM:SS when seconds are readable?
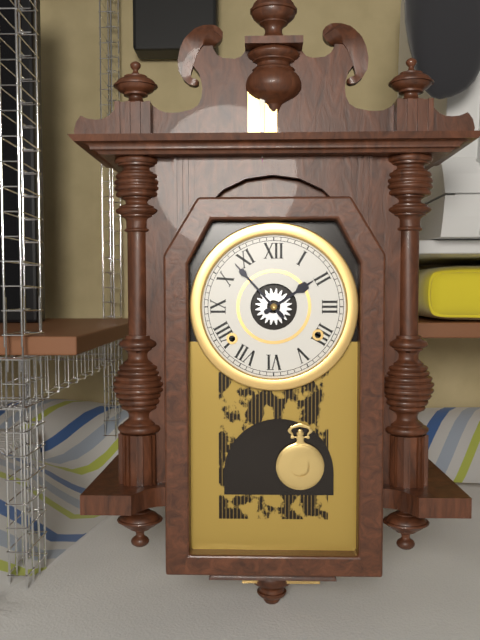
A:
**1:53**
